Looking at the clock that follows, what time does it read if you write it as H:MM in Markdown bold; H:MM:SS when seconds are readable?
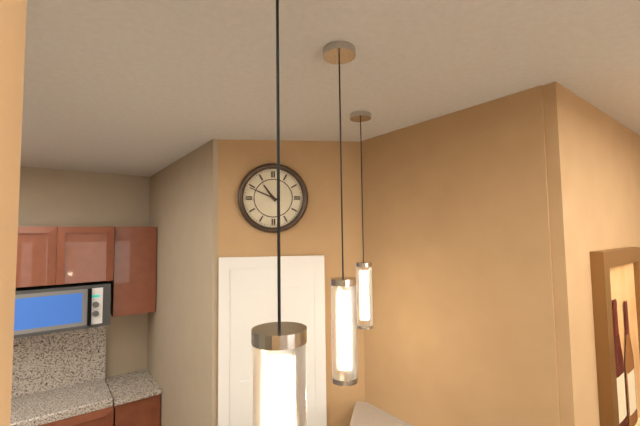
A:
**10:49**
